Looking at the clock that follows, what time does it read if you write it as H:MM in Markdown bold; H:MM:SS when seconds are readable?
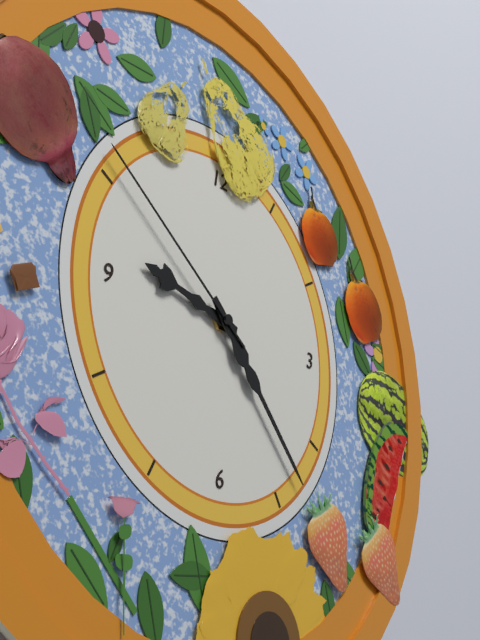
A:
**9:23:51**
